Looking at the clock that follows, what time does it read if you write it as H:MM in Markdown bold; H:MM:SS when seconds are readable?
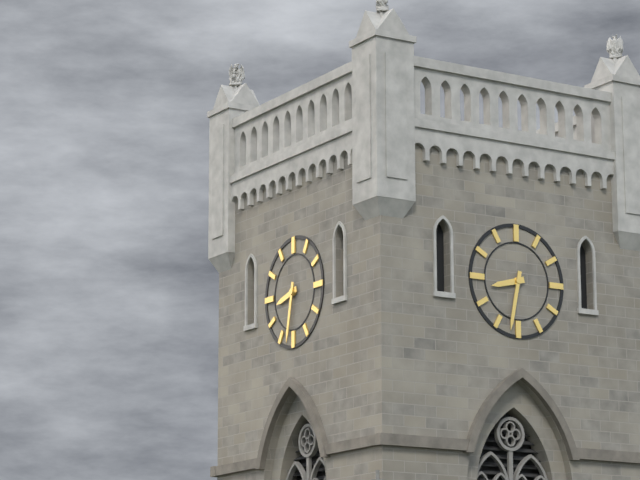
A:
**8:32**
